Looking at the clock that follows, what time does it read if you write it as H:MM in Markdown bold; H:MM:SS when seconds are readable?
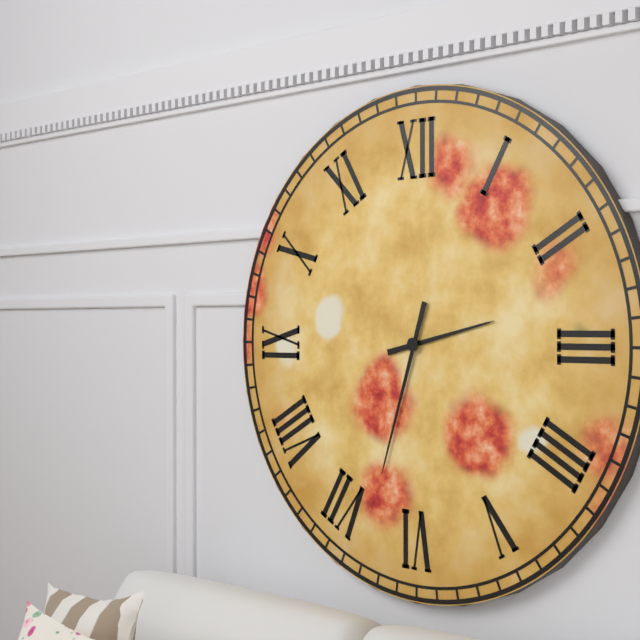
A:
**2:33**
